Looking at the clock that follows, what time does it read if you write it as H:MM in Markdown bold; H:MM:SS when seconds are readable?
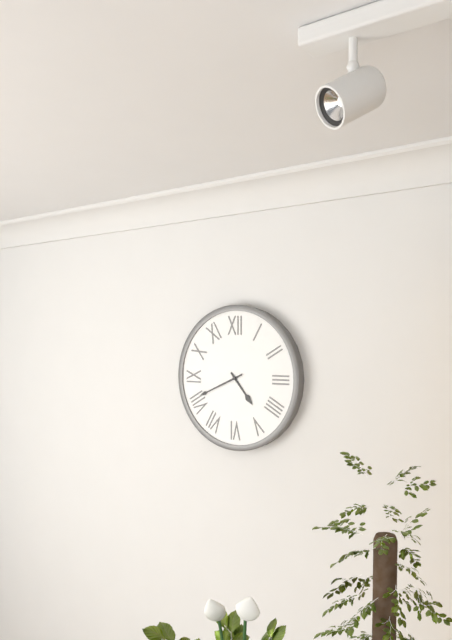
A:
**4:41**
